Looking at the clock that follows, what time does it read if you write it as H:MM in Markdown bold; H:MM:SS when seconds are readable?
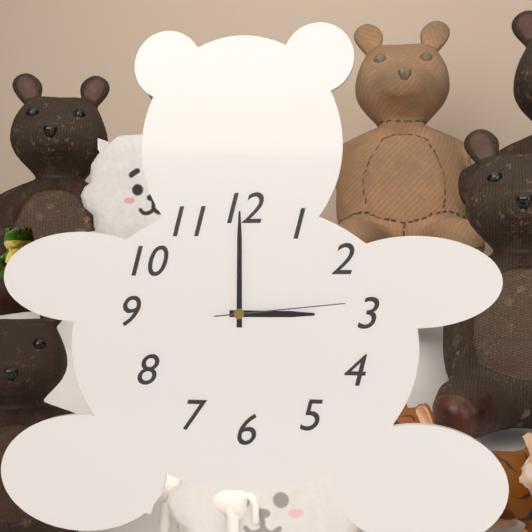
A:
**3:00:14**
